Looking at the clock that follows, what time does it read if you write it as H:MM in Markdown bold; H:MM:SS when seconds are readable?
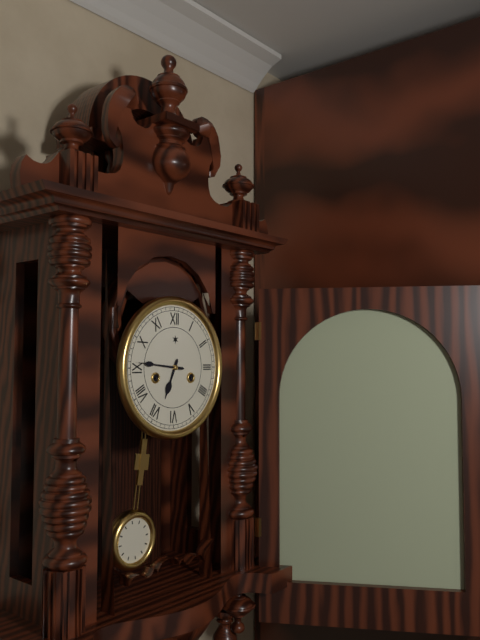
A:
**6:46**
